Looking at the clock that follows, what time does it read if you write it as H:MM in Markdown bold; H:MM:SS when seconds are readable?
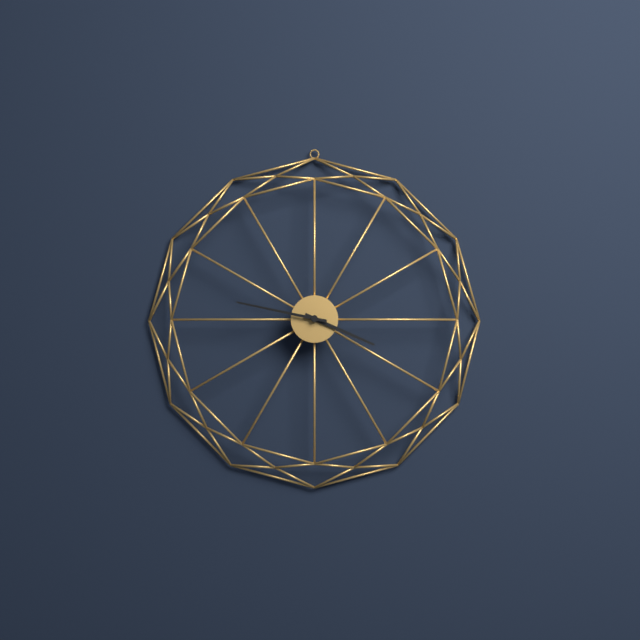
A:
**3:47**
